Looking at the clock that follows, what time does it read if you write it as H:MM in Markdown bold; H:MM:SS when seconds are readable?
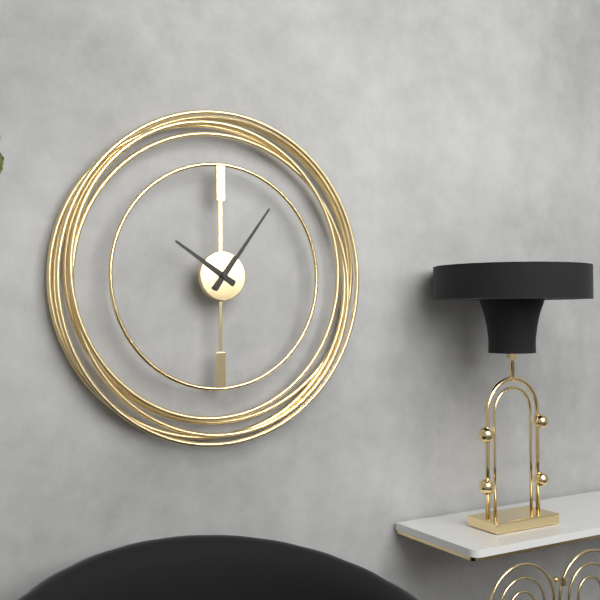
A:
**10:06**
